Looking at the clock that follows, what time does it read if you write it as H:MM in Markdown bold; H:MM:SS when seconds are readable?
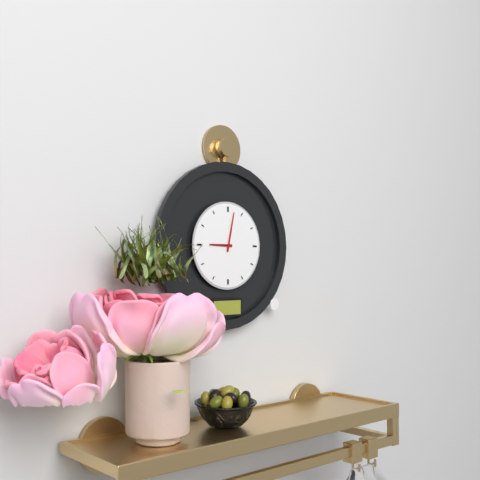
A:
**9:02**
